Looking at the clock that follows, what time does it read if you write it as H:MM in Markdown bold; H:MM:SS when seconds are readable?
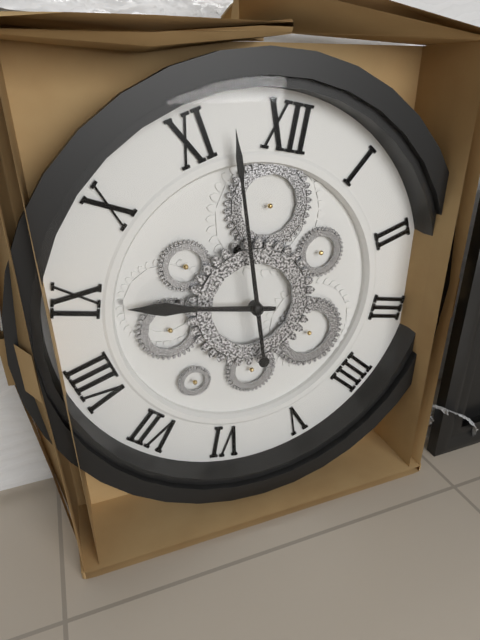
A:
**8:57**
